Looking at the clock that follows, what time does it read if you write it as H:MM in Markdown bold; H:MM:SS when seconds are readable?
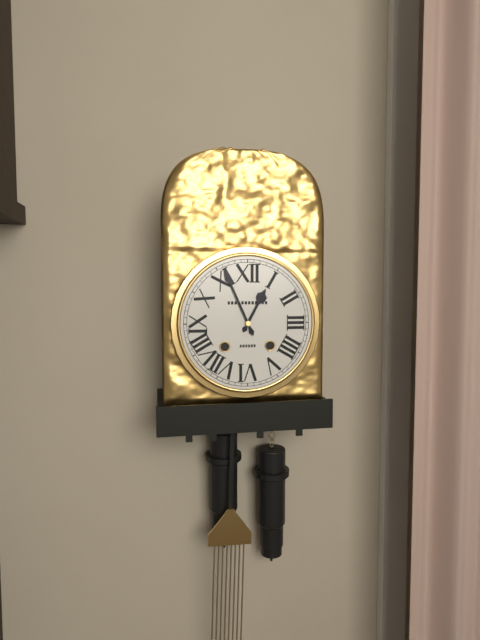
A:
**12:56**
